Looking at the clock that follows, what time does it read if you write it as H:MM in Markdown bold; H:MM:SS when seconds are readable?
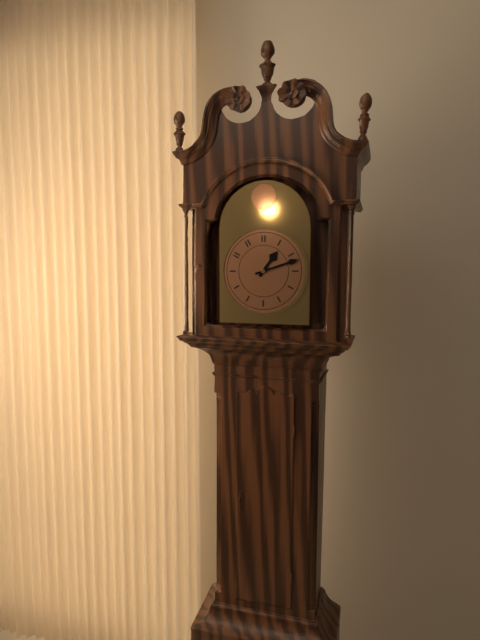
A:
**1:12**
